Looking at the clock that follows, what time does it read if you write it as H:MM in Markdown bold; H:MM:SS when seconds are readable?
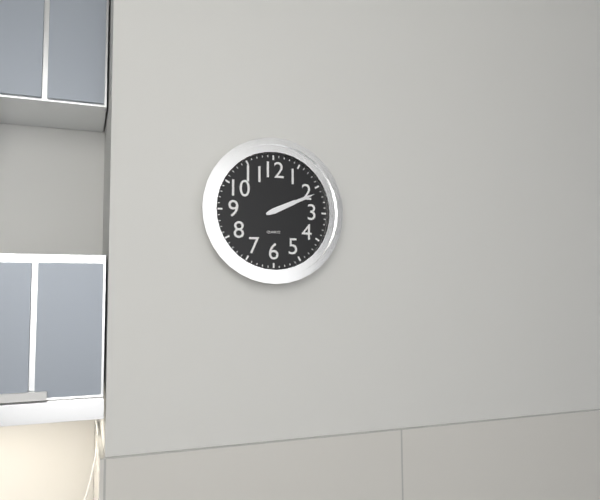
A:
**2:11**
